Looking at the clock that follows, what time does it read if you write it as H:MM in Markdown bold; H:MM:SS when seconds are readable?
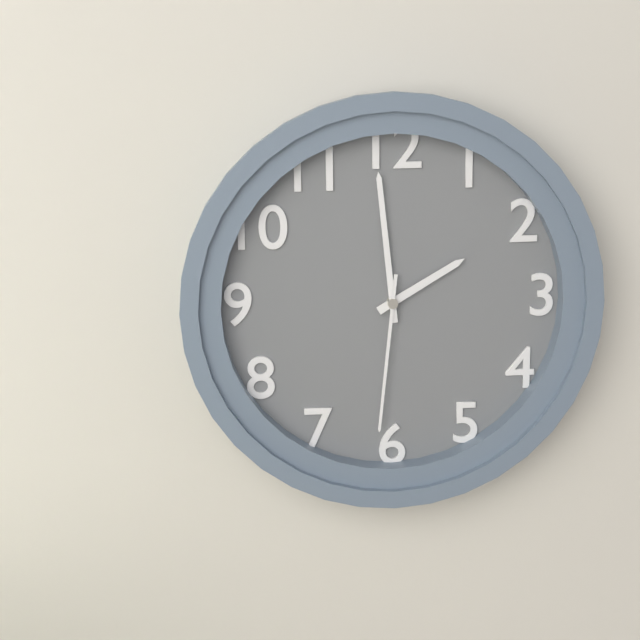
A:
**1:59:31**
